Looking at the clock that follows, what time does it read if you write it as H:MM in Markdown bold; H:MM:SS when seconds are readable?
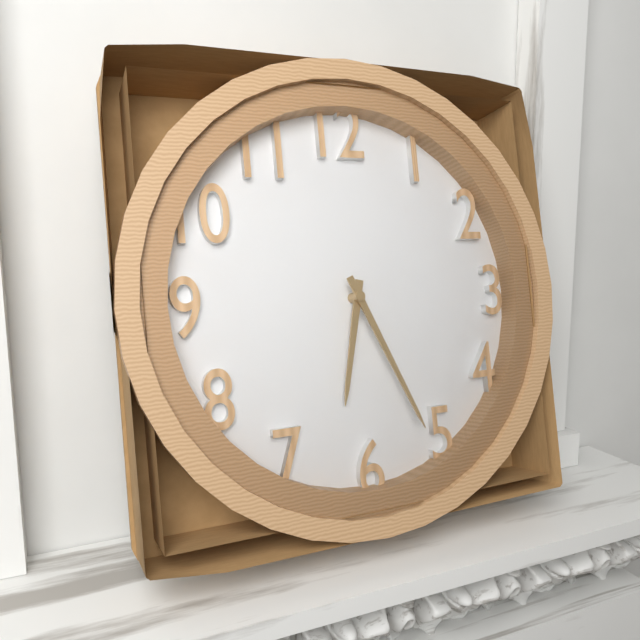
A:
**6:26**
